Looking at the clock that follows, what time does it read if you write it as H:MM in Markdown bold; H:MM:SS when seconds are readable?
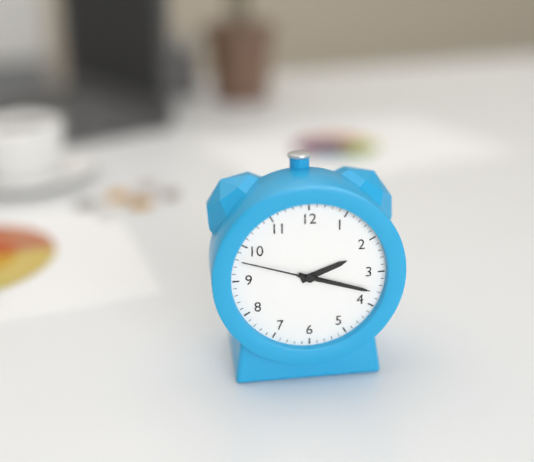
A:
**2:18:48**
